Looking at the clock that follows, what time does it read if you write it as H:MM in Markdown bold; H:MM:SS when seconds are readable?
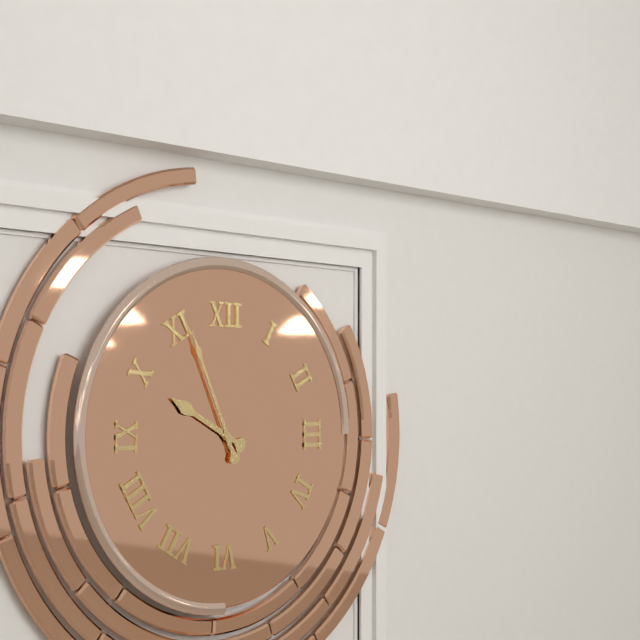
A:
**9:56**
